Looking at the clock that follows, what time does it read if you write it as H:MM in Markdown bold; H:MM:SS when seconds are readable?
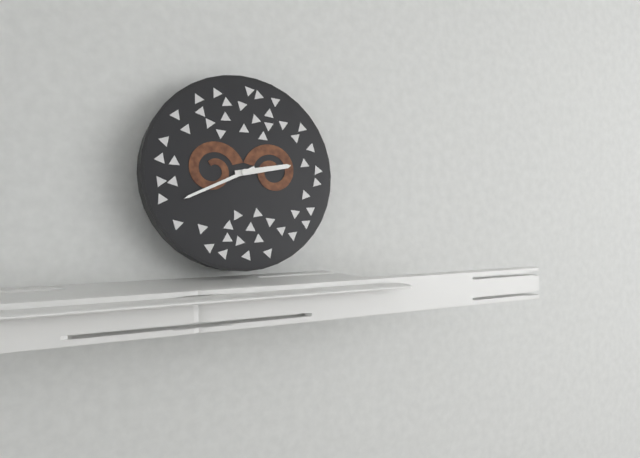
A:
**2:41**
